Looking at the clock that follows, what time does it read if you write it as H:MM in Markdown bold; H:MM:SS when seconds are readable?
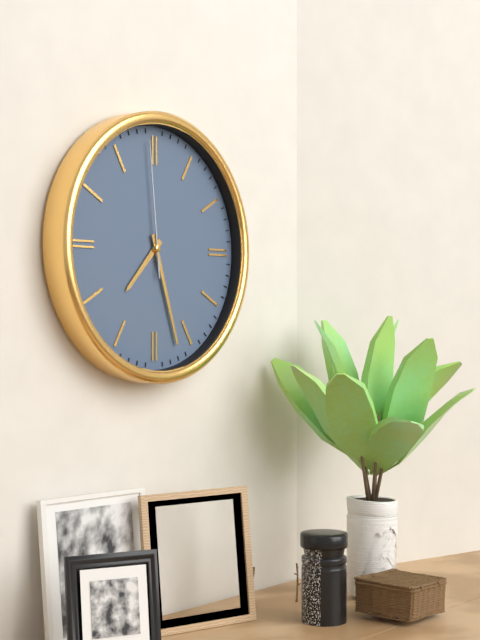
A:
**7:27:59**
